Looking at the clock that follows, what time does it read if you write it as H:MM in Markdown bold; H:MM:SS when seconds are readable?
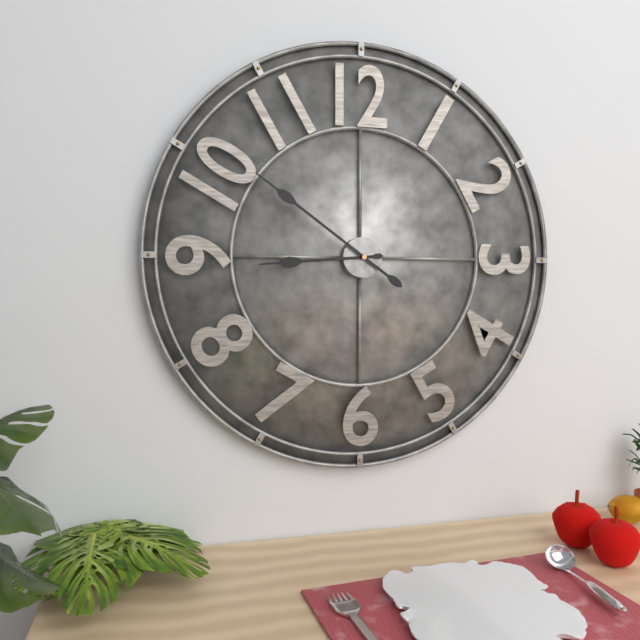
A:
**8:51**
